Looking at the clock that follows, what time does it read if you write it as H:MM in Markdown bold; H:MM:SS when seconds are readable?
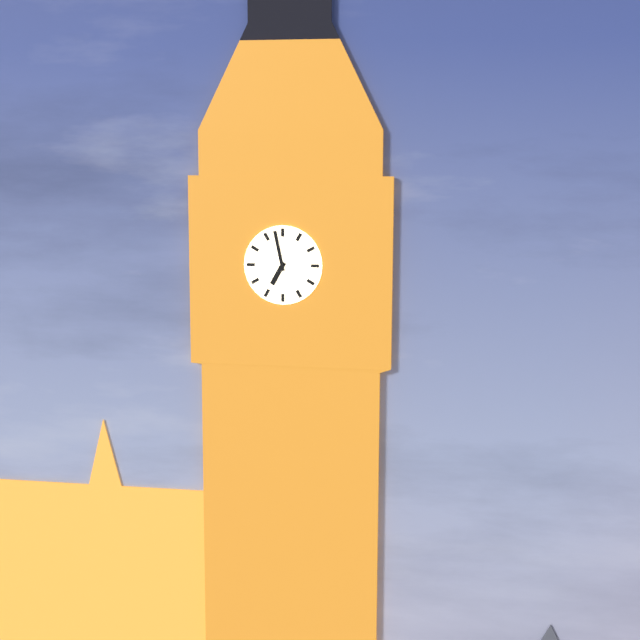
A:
**6:58**
